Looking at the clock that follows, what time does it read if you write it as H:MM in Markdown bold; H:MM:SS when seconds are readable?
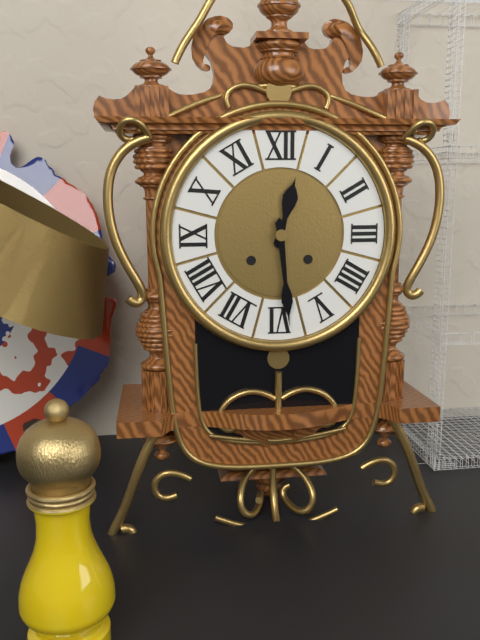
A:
**12:29**
